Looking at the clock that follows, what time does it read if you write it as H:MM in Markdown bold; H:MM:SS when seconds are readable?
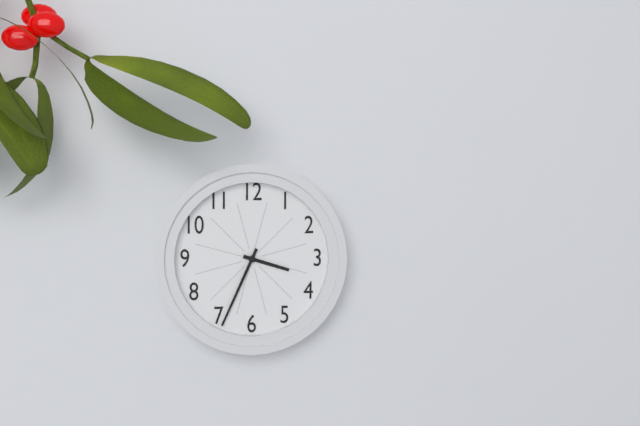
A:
**3:34**
